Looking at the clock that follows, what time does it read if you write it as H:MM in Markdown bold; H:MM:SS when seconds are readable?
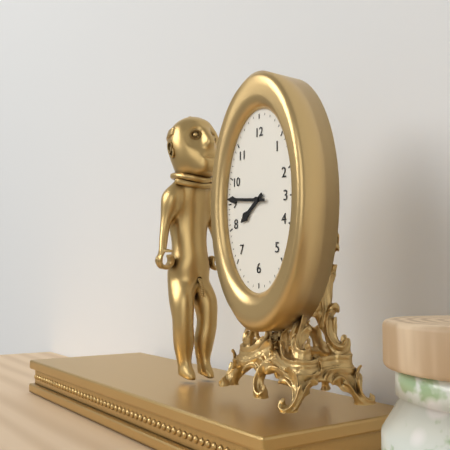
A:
**7:46**
